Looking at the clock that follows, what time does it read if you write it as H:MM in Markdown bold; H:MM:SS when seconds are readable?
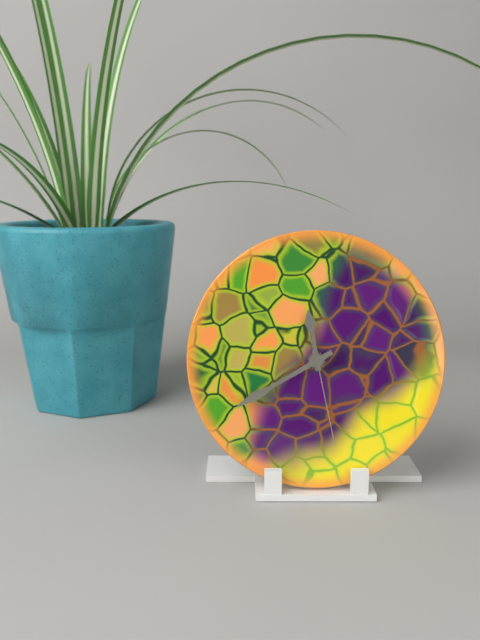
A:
**11:40:28**
